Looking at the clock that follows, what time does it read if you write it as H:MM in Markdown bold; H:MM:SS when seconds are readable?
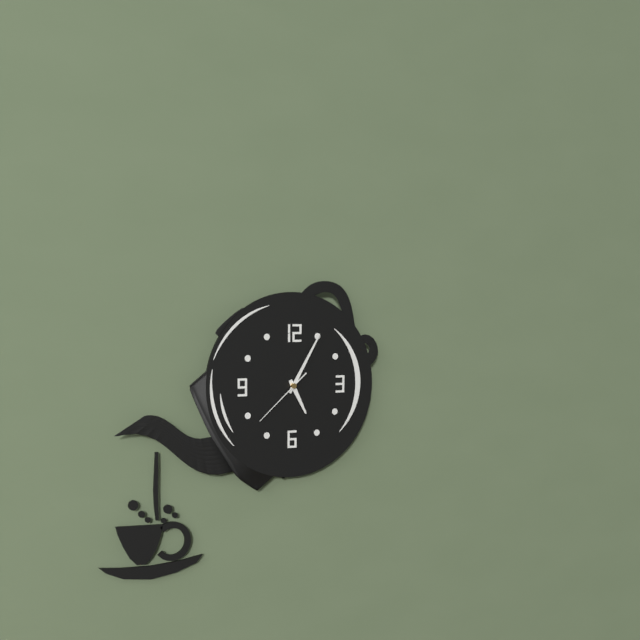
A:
**5:05:38**
